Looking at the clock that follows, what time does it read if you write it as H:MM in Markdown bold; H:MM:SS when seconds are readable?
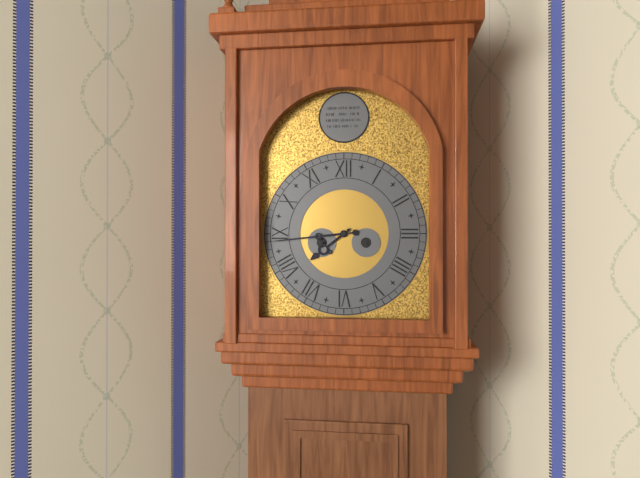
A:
**7:44**
